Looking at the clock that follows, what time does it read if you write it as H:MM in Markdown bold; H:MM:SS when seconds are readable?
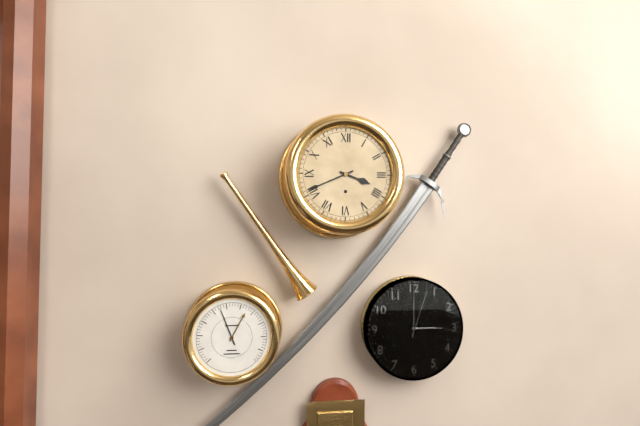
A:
**3:41**
